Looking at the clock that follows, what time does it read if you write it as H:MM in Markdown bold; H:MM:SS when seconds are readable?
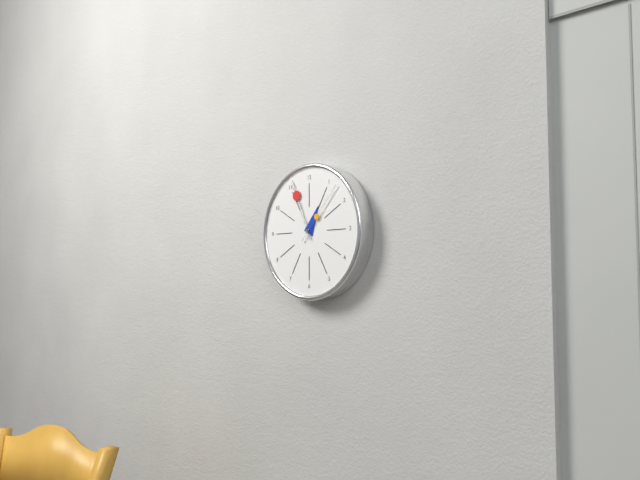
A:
**12:56:07**
